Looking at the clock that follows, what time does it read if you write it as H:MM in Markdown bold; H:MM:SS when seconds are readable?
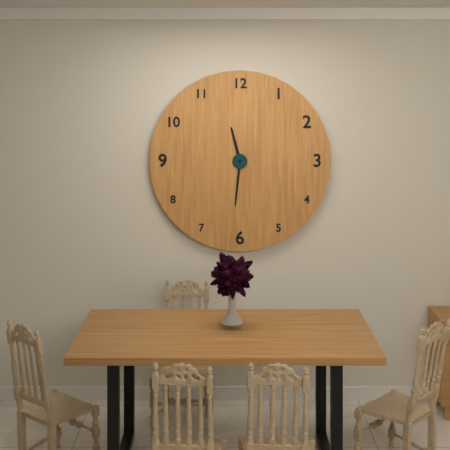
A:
**11:31**
